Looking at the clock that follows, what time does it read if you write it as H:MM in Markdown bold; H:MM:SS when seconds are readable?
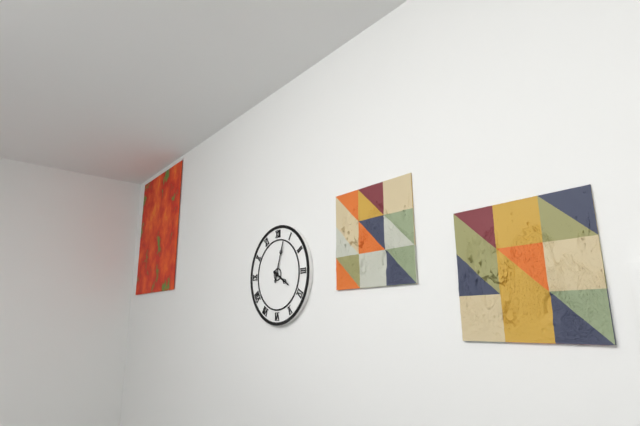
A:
**4:03**
